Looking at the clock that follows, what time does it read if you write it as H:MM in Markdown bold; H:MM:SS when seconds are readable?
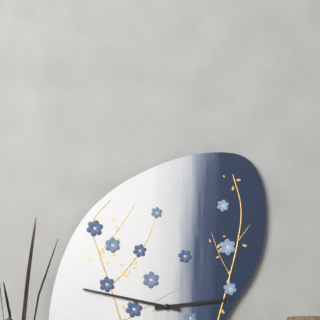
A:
**2:47**
